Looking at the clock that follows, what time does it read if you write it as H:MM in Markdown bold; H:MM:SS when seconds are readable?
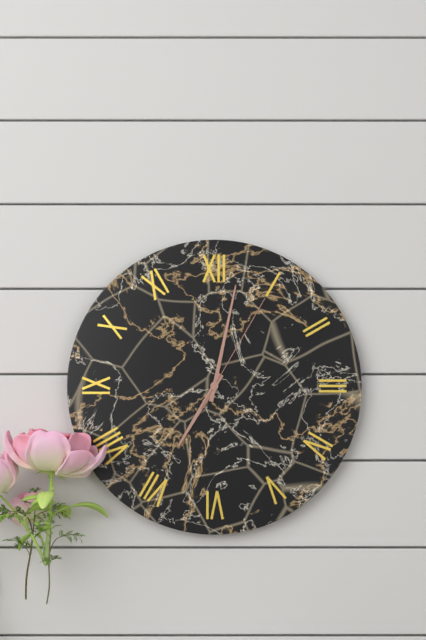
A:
**7:02:05**
